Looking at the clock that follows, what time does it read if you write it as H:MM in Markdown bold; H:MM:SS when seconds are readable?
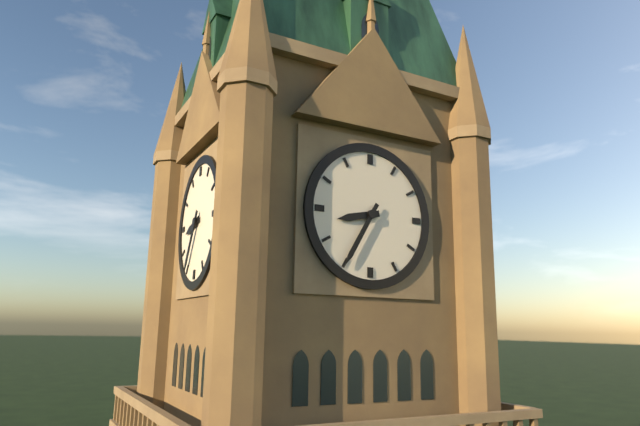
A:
**8:35**
